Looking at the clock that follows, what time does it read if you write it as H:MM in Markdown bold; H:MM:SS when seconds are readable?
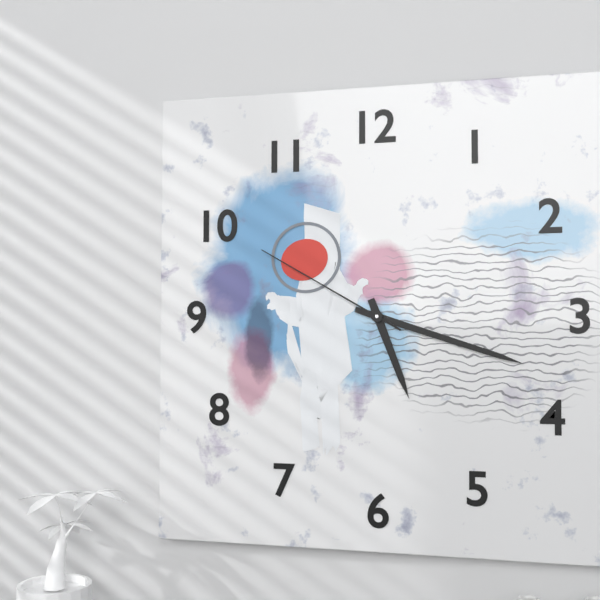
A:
**5:18:50**
